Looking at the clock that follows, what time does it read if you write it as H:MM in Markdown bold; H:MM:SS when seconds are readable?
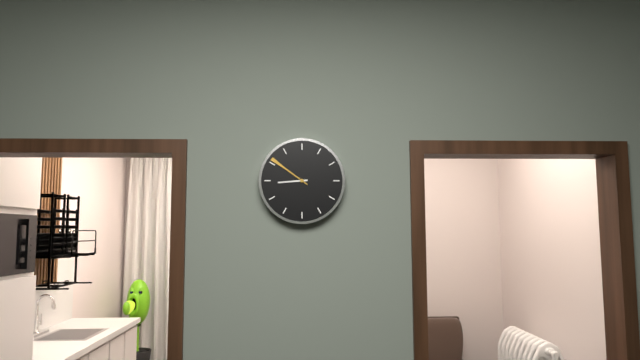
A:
**8:51**
